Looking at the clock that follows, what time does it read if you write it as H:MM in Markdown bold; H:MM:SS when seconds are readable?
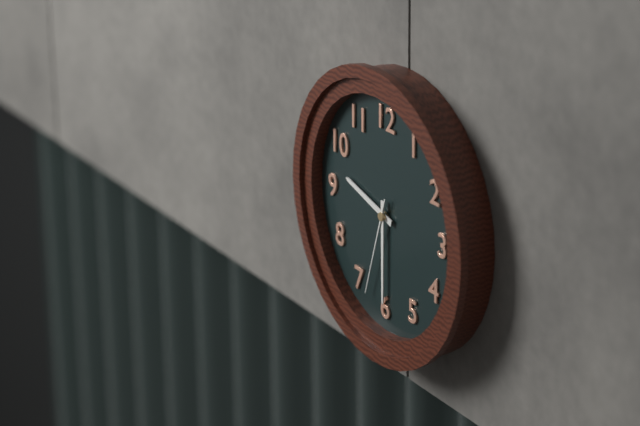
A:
**9:30:33**
